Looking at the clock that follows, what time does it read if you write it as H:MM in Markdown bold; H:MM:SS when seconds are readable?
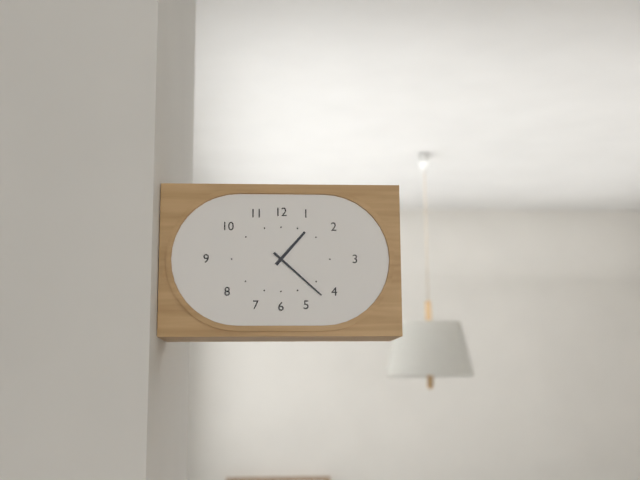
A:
**1:22**
